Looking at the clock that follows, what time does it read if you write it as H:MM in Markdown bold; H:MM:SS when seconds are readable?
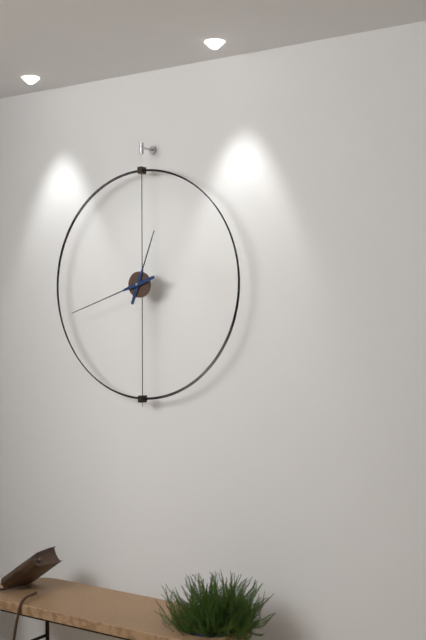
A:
**12:42**
